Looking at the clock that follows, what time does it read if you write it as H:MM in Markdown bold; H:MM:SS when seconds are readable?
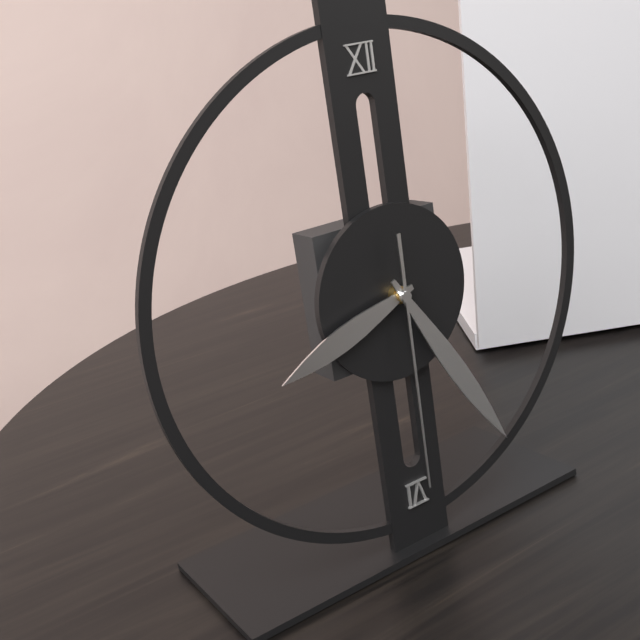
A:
**8:25:30**
